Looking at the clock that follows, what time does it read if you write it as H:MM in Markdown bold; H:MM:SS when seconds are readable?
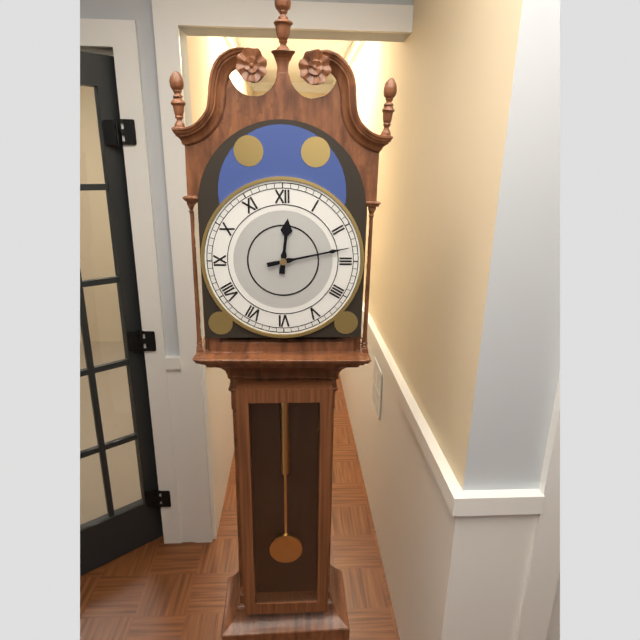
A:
**12:13**
